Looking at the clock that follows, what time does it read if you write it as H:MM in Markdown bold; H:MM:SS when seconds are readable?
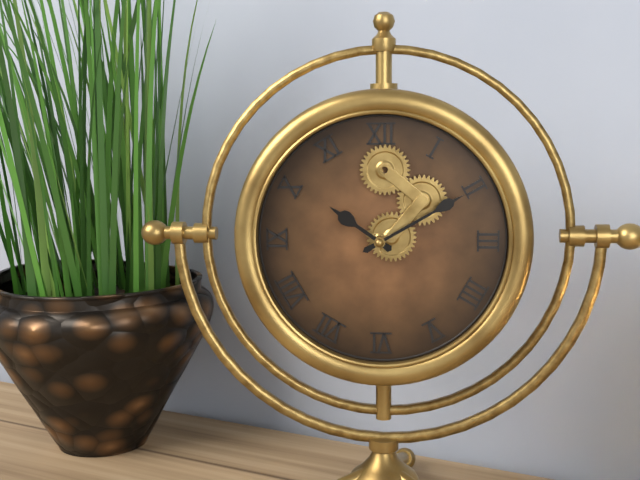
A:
**10:10**
